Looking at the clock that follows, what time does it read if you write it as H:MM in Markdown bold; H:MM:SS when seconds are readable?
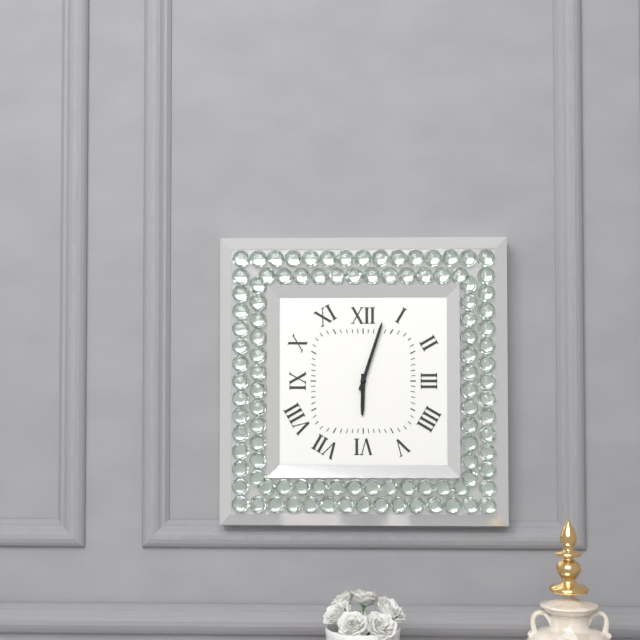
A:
**6:03**
